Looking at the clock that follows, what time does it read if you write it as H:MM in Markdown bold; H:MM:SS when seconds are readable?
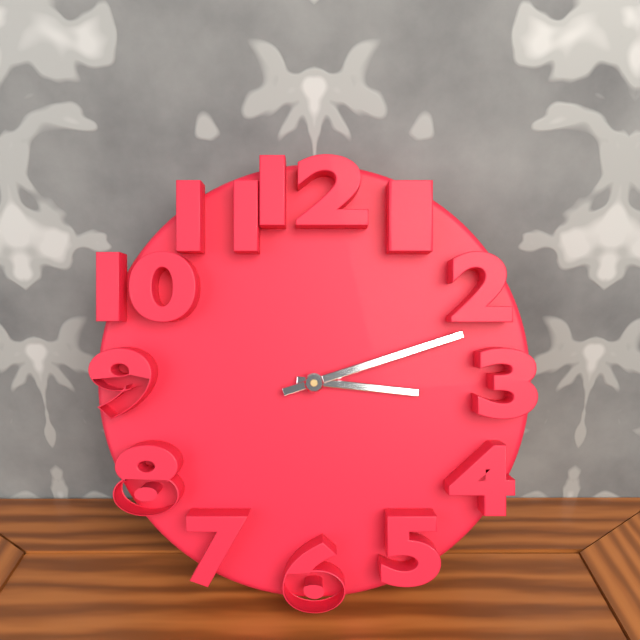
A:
**3:12**
